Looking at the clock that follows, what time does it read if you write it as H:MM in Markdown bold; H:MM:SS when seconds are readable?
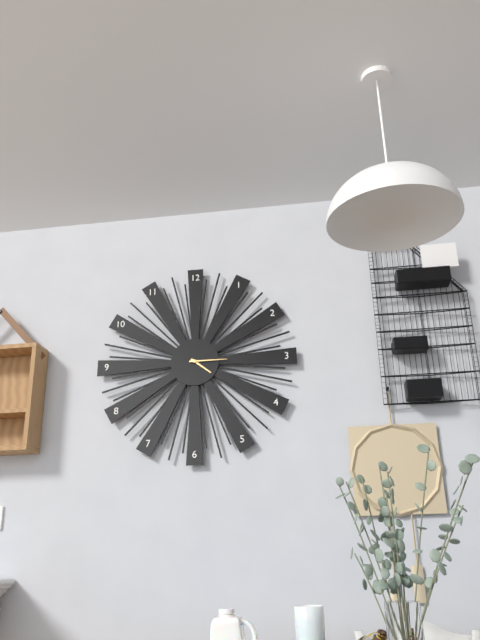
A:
**4:15**
